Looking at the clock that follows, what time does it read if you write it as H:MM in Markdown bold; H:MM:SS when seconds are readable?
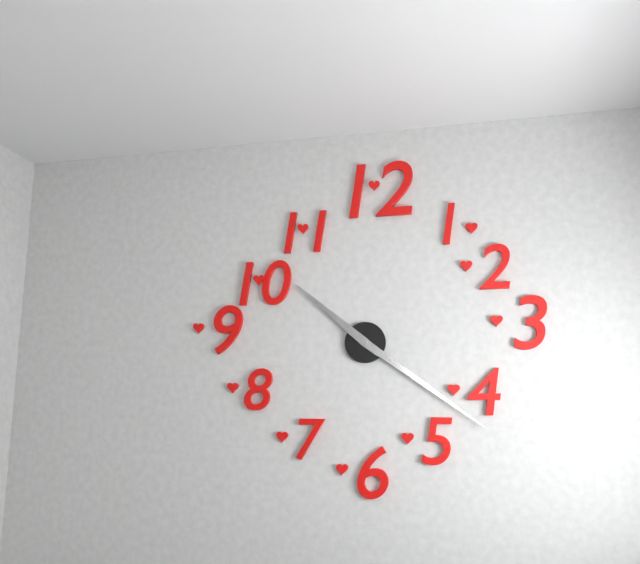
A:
**10:21**
